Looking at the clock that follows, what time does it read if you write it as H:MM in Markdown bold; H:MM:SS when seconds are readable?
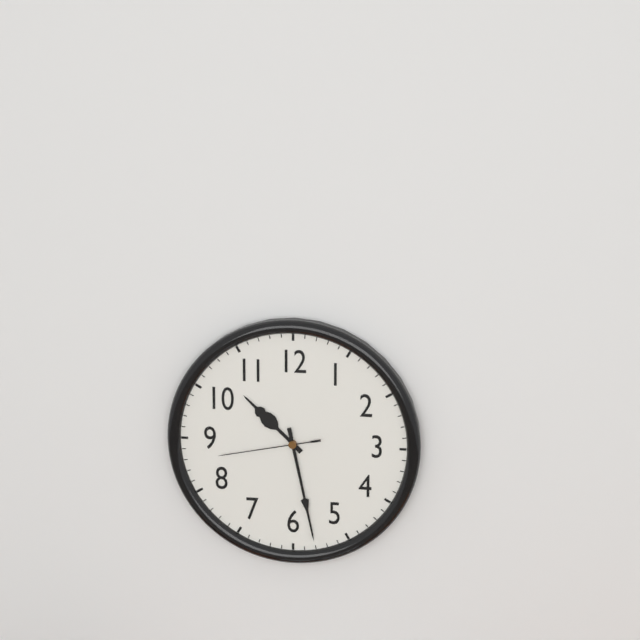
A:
**10:28:43**
